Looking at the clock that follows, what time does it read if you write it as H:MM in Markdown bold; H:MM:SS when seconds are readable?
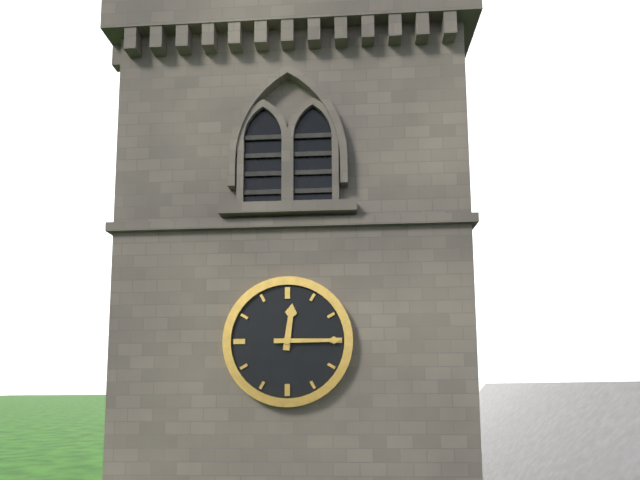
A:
**12:15**
